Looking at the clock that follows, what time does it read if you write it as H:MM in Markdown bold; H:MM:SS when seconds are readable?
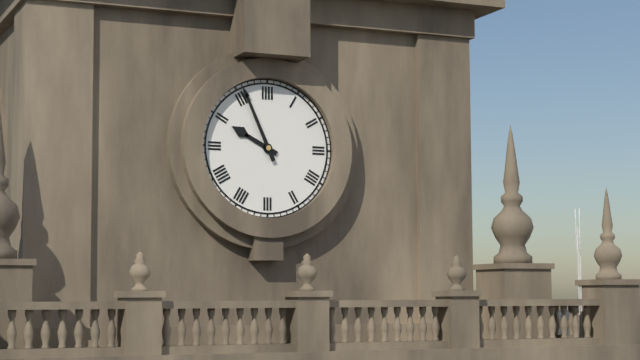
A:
**9:56**
